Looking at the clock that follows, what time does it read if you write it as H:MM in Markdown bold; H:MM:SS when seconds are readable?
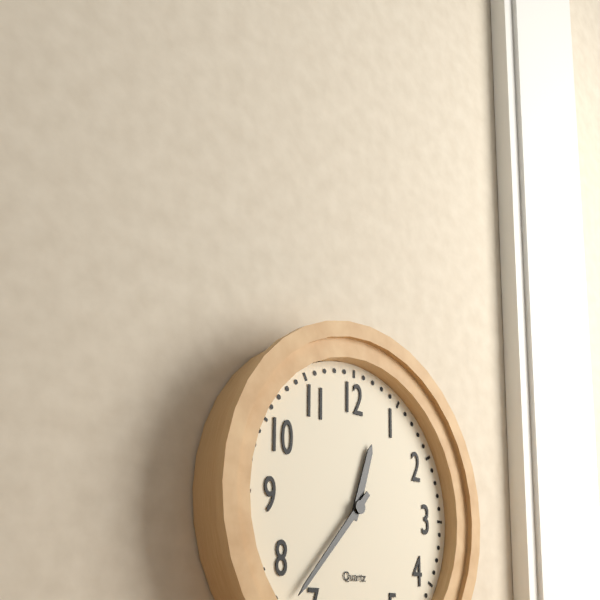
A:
**12:37**
